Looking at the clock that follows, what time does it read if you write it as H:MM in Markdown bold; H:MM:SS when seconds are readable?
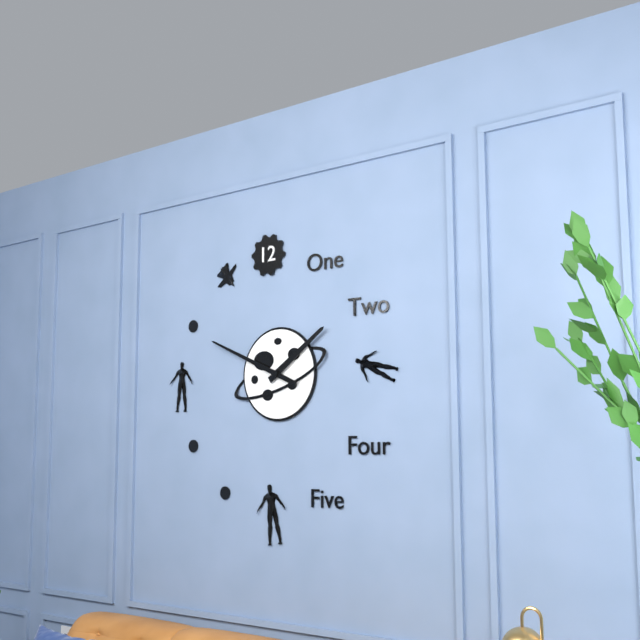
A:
**1:49**
